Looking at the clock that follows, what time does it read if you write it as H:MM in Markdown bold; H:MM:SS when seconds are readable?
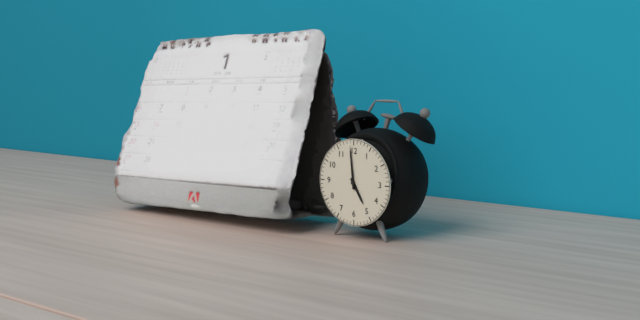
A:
**4:59**
